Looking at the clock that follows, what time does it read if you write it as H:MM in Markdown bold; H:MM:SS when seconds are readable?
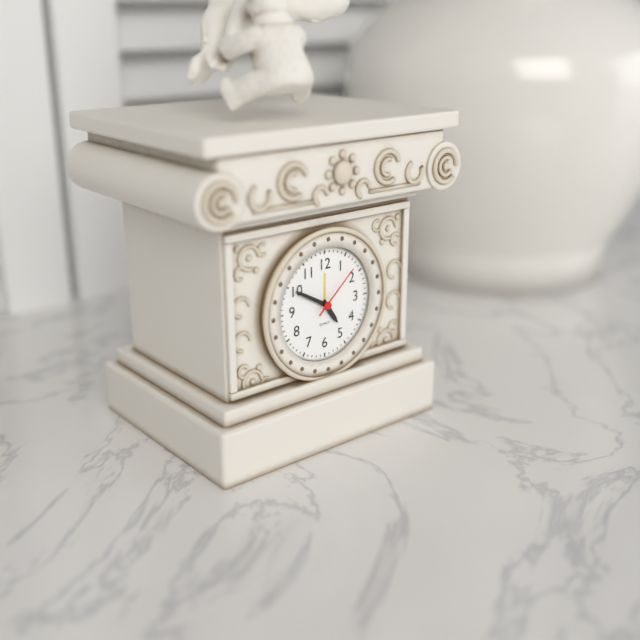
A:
**4:50:08**
